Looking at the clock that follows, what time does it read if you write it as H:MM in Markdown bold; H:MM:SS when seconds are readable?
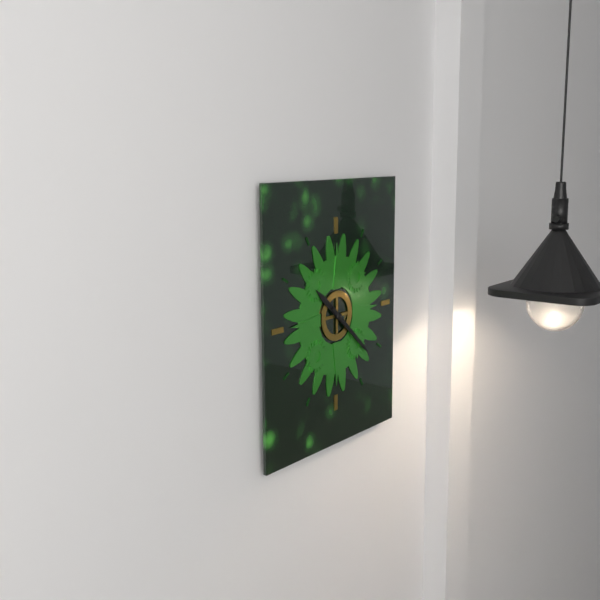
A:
**10:22**
